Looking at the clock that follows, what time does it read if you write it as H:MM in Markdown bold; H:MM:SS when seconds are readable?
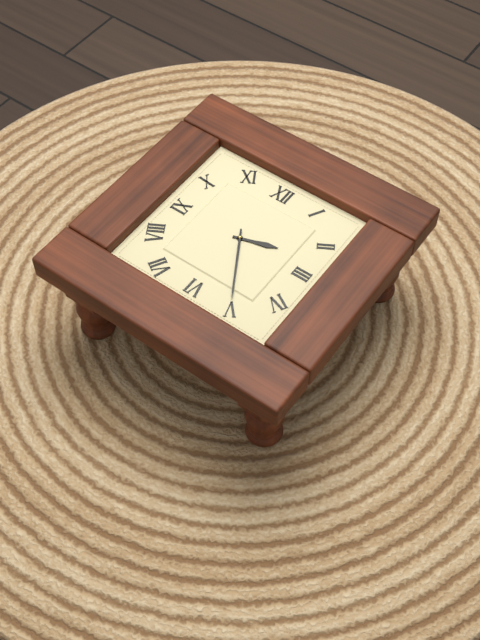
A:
**2:25**
